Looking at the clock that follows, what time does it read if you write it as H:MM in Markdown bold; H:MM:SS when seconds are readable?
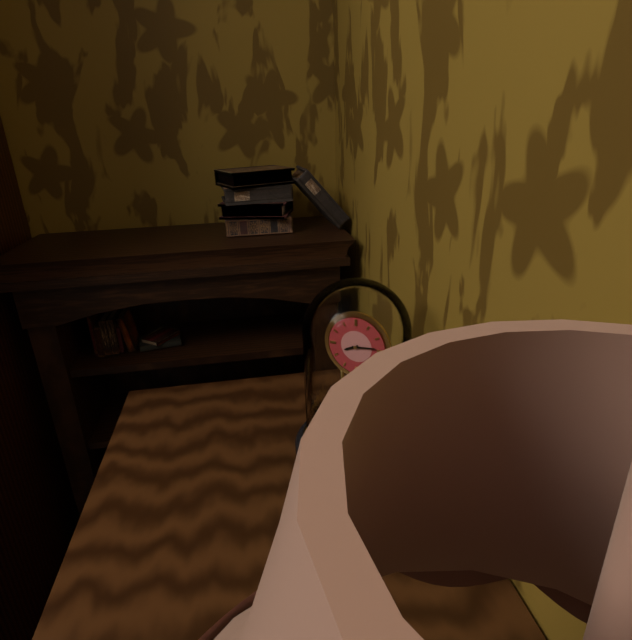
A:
**8:14**
